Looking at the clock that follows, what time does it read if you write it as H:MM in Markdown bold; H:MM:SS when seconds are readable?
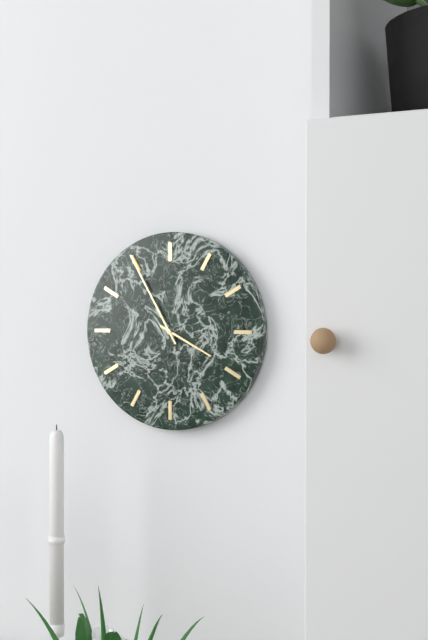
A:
**3:55**
